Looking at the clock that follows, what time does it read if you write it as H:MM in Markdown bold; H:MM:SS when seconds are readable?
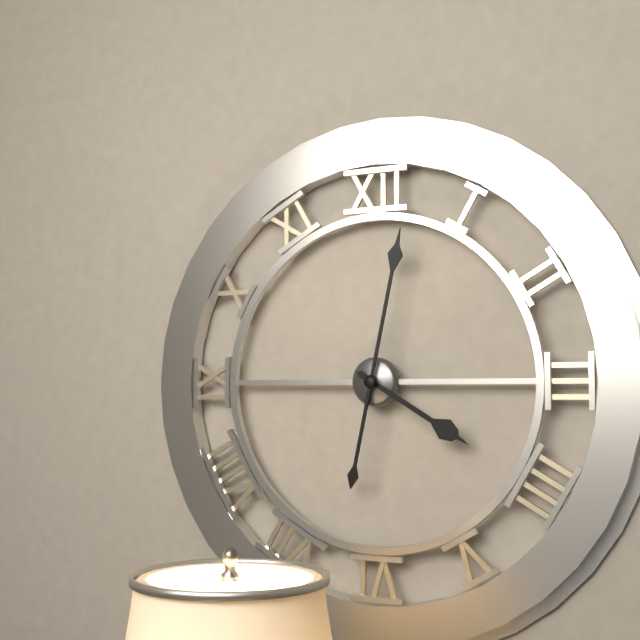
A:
**4:02**
